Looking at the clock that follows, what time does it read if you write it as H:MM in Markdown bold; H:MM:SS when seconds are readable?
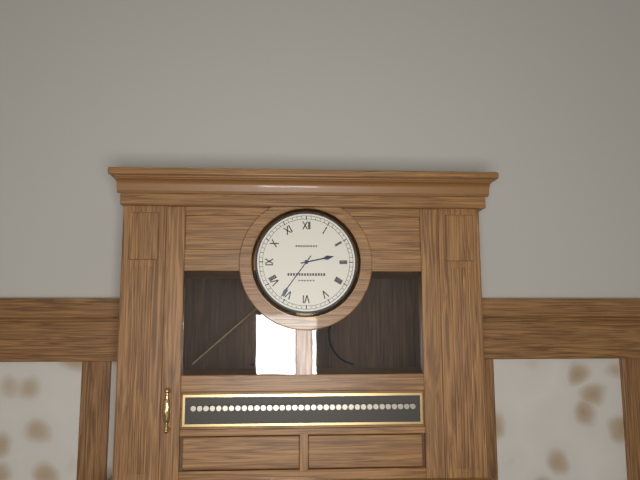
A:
**2:36**
